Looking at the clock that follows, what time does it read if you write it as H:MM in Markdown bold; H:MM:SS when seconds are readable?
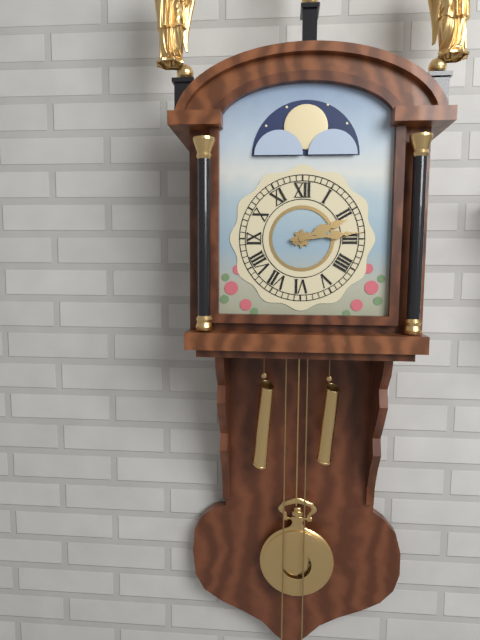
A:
**2:14**
